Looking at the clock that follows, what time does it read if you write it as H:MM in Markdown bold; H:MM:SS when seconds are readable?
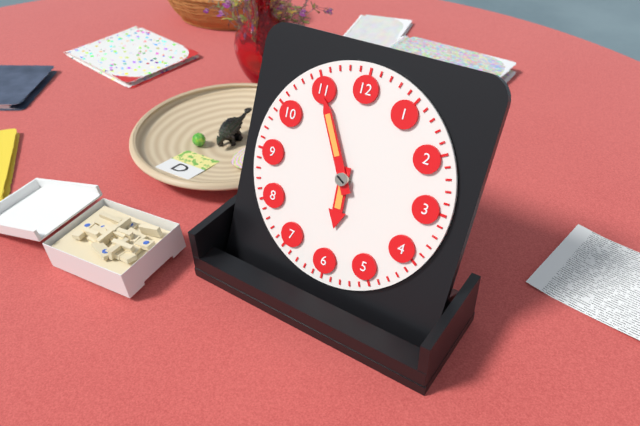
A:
**5:55**
